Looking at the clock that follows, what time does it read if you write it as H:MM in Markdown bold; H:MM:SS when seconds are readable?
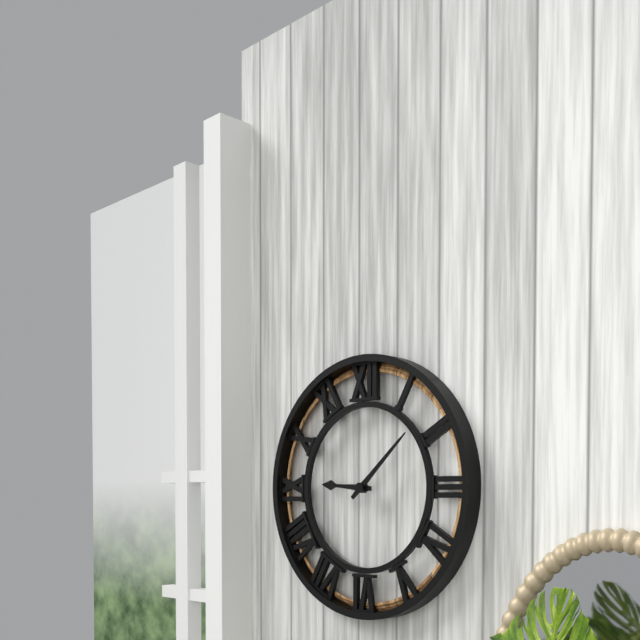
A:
**9:08**
